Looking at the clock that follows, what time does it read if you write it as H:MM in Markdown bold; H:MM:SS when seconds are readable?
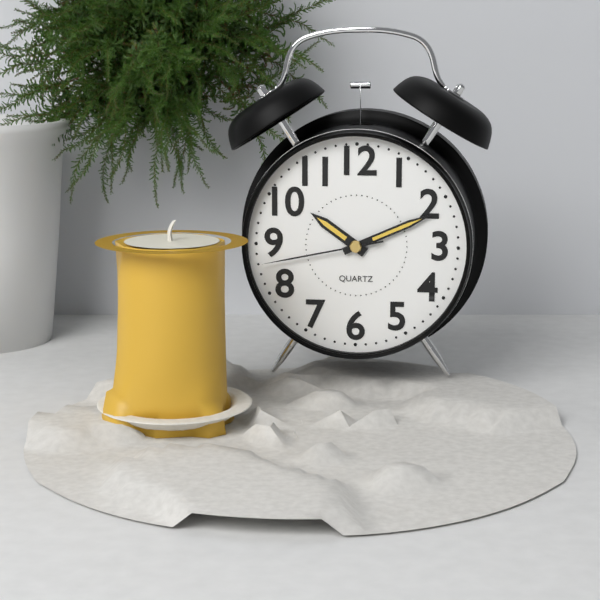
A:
**10:11:43**
